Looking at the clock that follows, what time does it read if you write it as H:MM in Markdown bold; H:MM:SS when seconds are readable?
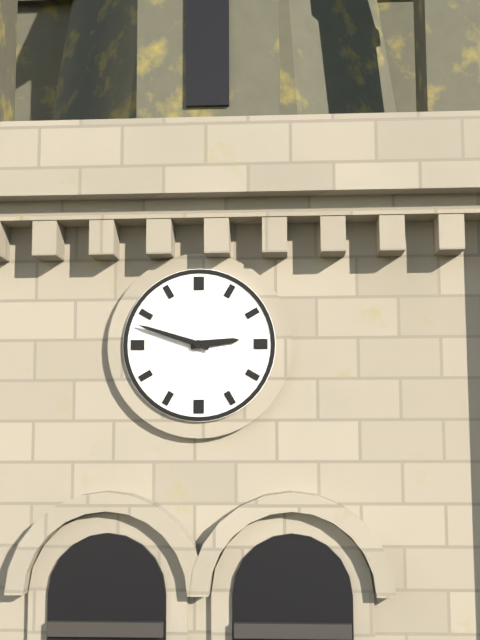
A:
**2:48**
